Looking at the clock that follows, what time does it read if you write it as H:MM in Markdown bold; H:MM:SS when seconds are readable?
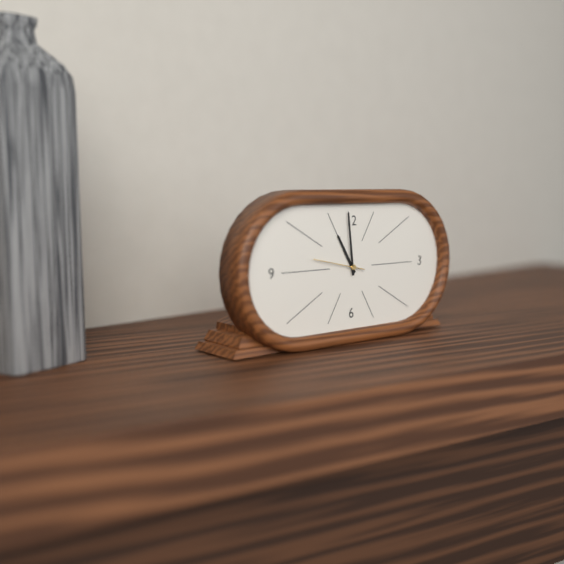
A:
**10:59:47**
